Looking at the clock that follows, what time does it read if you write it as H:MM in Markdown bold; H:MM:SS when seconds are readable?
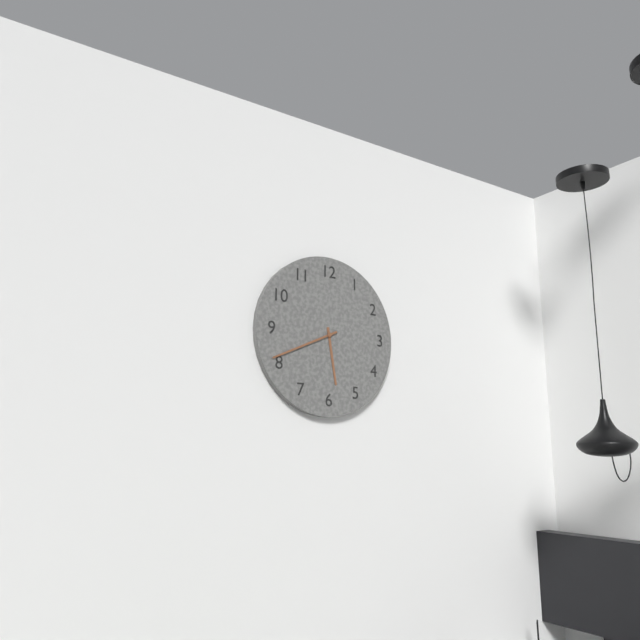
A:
**5:41**
